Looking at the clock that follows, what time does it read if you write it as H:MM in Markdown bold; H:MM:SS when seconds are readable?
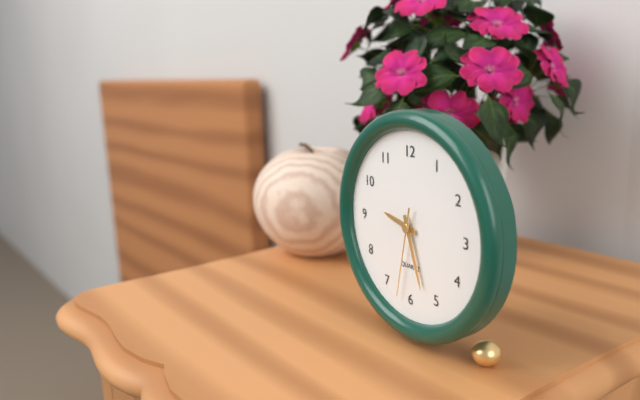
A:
**9:27:32**
